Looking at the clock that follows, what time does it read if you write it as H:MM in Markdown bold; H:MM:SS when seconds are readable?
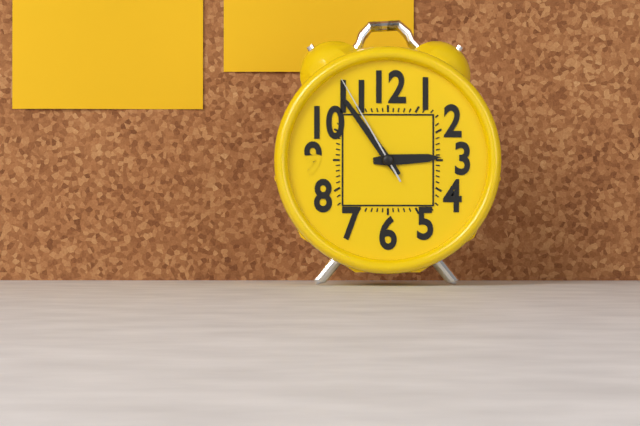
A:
**2:54:55**
